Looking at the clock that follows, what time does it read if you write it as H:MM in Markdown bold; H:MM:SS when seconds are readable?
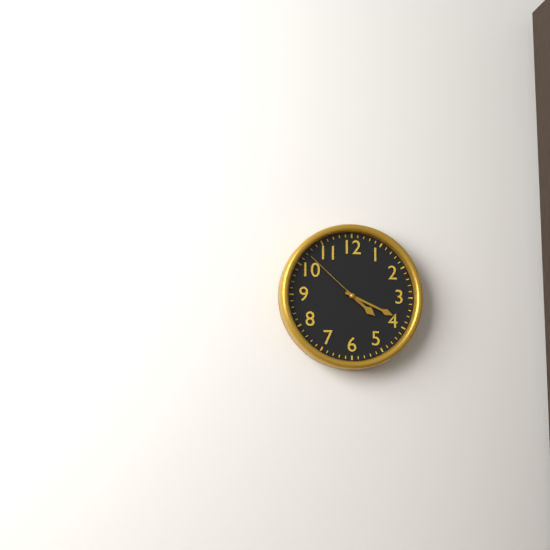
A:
**4:19:52**
